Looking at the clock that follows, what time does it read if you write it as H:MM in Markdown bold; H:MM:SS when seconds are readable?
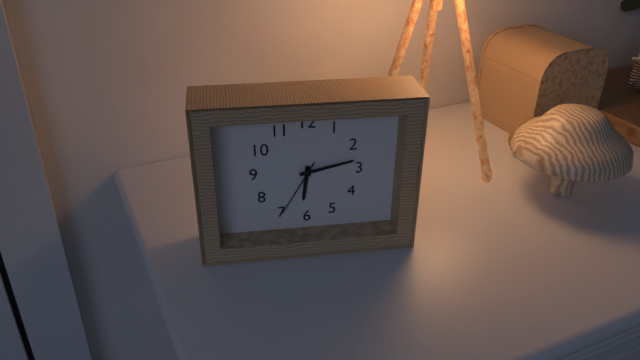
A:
**6:13:35**
